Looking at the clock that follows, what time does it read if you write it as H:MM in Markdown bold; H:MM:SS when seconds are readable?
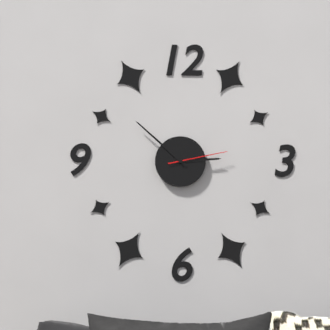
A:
**2:52:13**
